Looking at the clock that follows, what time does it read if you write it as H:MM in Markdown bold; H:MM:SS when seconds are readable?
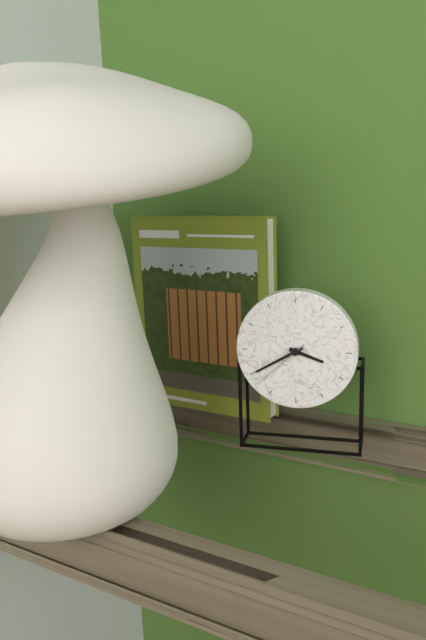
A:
**3:40:38**
